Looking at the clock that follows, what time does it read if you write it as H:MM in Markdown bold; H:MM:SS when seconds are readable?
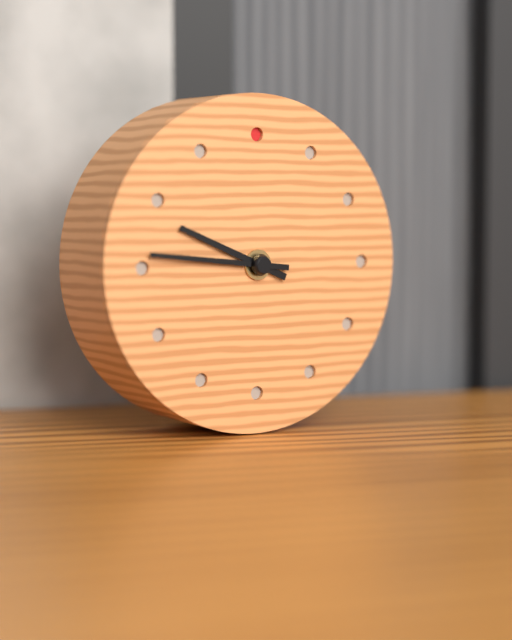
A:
**9:46**
